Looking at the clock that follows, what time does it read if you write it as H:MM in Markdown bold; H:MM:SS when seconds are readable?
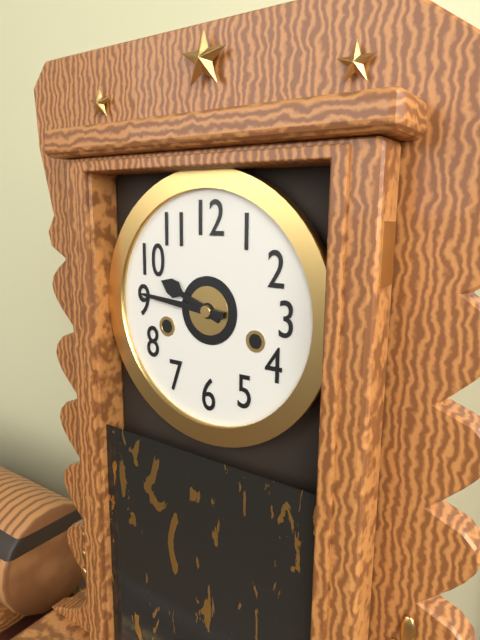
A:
**9:46**
